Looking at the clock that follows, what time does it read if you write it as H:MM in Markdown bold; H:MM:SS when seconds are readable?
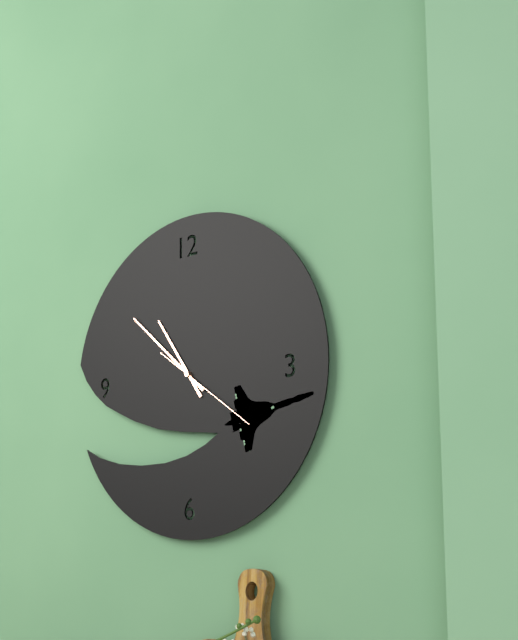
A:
**10:52:21**
